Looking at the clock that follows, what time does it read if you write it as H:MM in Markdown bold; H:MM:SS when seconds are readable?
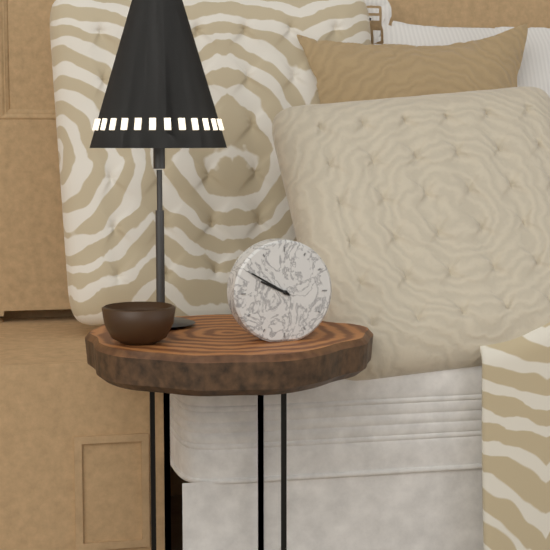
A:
**9:50**
